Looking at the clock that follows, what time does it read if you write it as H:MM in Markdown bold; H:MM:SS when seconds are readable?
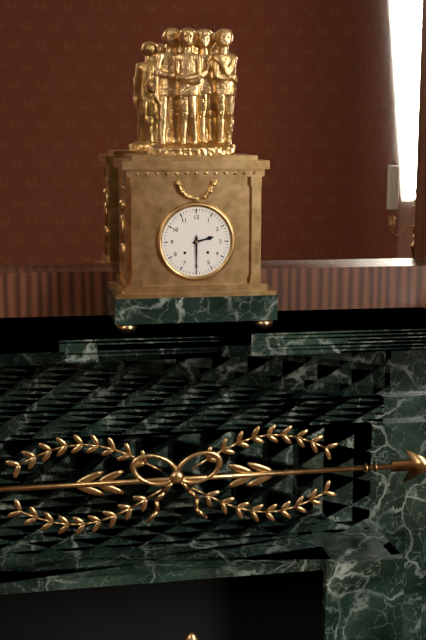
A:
**2:30**
